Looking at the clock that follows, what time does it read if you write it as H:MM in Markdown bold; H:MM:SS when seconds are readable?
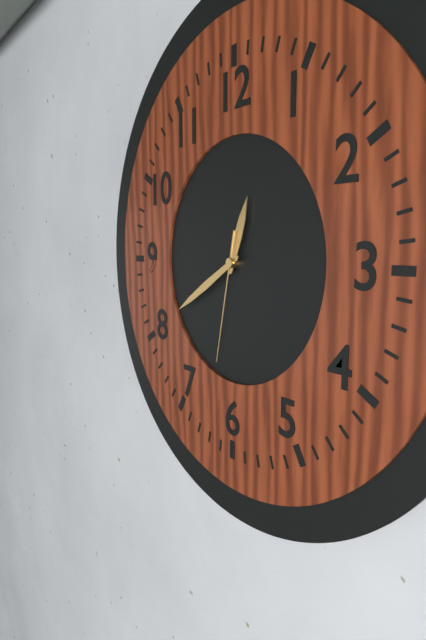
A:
**12:40:32**
